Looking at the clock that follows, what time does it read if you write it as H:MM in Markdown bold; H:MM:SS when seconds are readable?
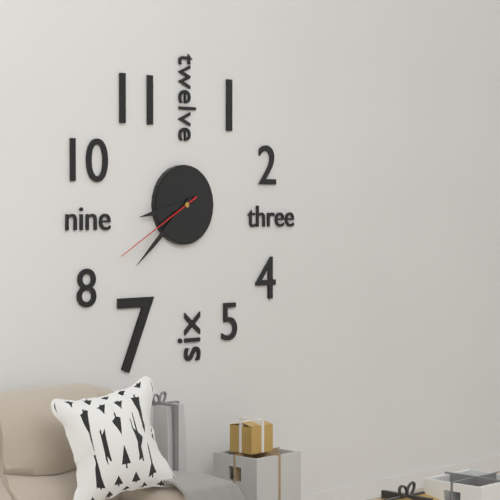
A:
**8:38:40**
